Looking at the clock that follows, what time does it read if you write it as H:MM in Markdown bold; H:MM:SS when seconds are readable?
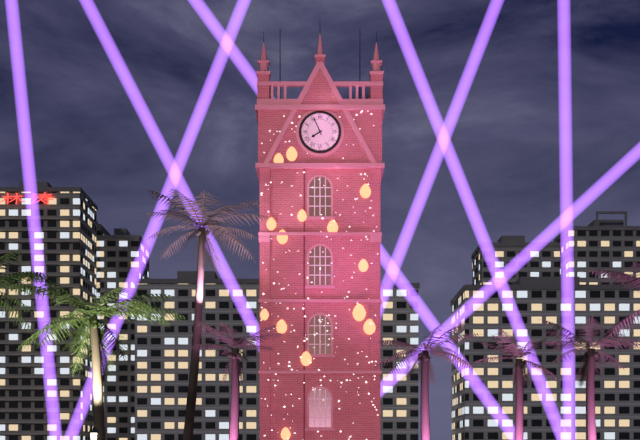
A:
**7:56**
